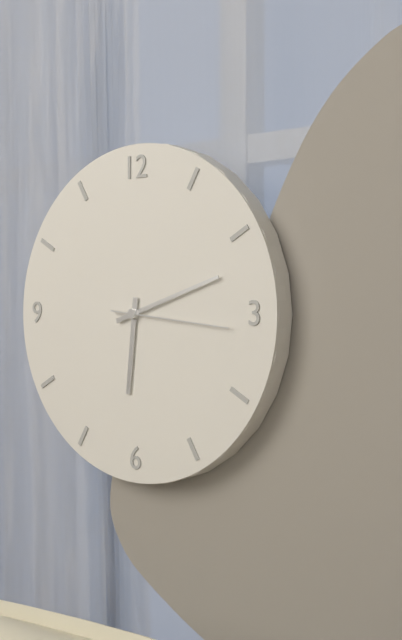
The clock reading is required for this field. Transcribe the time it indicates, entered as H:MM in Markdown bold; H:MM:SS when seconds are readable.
**6:12:16**
